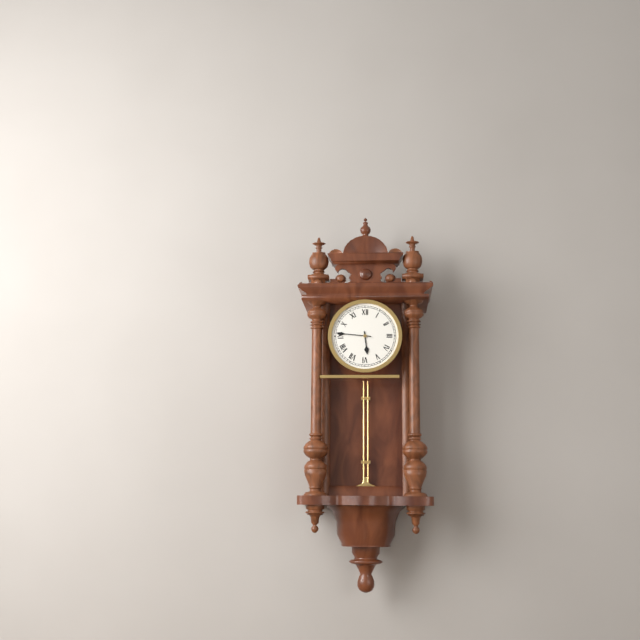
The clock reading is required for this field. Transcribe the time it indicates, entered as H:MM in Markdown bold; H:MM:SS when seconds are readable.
**5:46**
